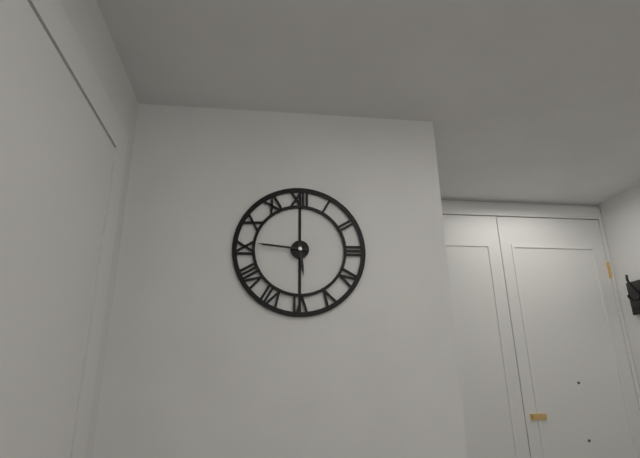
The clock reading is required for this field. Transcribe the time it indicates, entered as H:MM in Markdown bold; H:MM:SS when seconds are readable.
**5:46**
